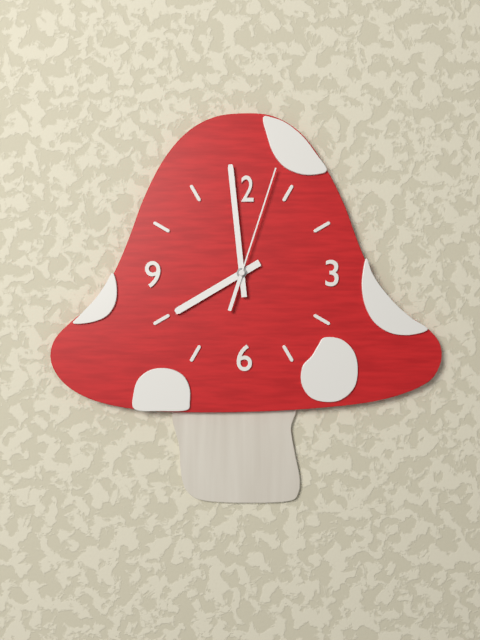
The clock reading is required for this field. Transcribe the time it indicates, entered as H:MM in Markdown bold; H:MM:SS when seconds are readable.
**7:59:03**
